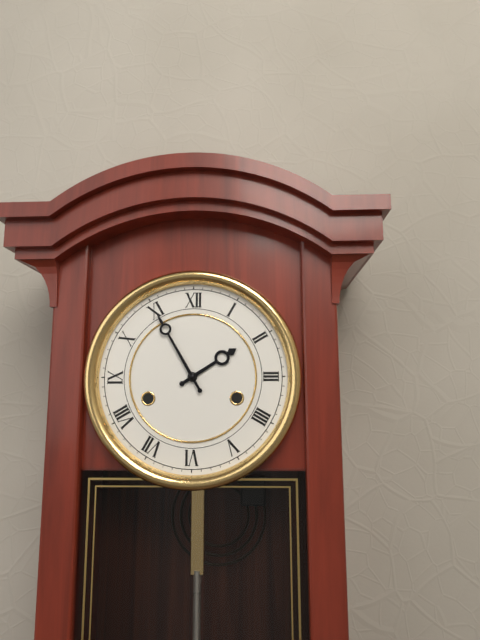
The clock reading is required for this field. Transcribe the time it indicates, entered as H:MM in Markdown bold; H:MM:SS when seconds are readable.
**1:55**
